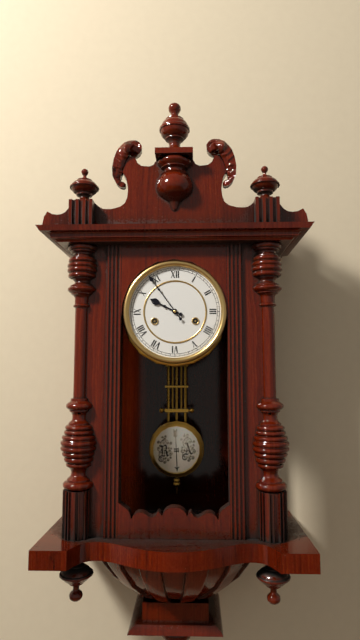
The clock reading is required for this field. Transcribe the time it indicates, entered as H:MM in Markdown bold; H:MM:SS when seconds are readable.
**9:54**
